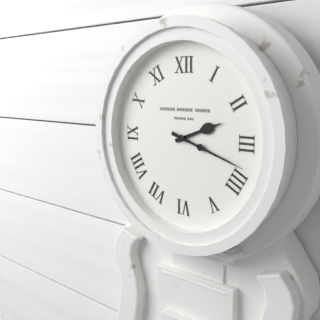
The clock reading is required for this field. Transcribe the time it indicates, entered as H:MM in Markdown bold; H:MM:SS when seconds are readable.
**2:18**
